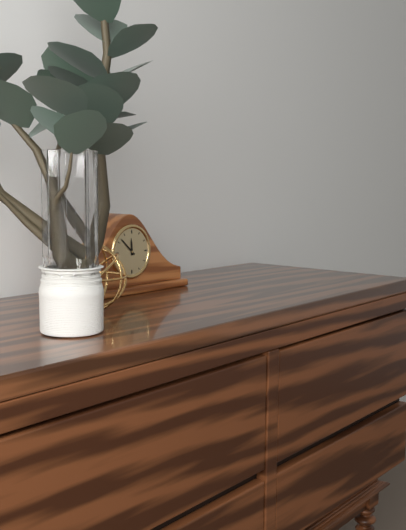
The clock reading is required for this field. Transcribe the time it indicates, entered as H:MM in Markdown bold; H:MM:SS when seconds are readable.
**11:52**
